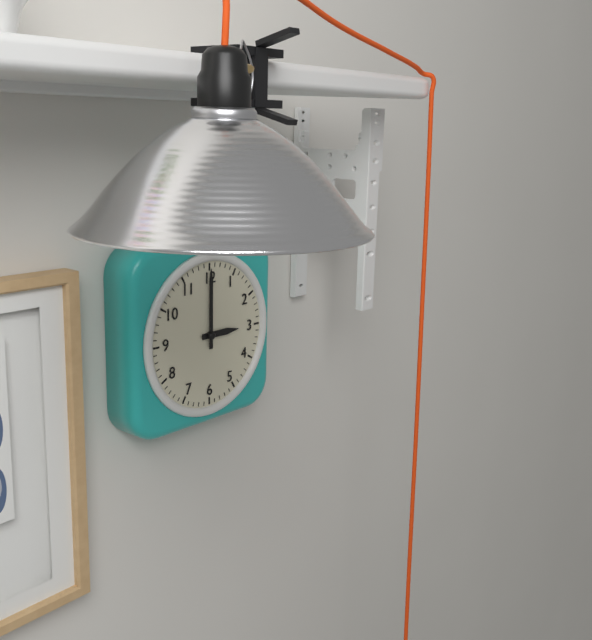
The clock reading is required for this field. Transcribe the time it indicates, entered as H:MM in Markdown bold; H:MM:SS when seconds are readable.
**3:00**
